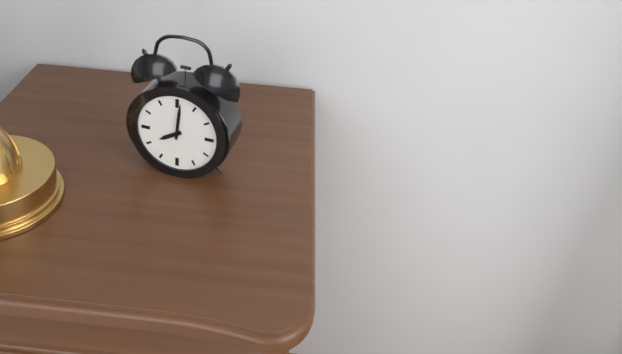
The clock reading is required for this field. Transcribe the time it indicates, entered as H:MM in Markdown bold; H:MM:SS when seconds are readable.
**8:01**
